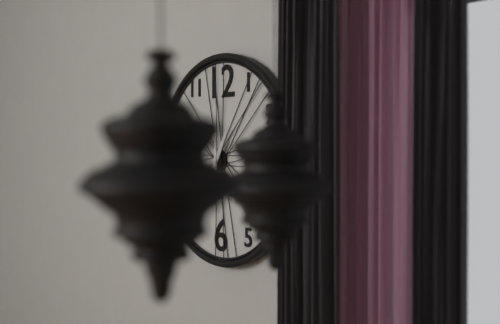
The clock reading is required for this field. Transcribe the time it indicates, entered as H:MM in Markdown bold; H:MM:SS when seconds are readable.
**1:00**
